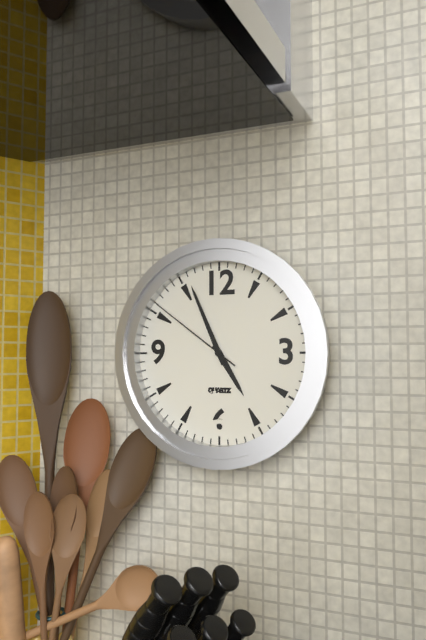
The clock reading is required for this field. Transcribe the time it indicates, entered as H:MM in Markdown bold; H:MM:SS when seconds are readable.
**4:56:51**
